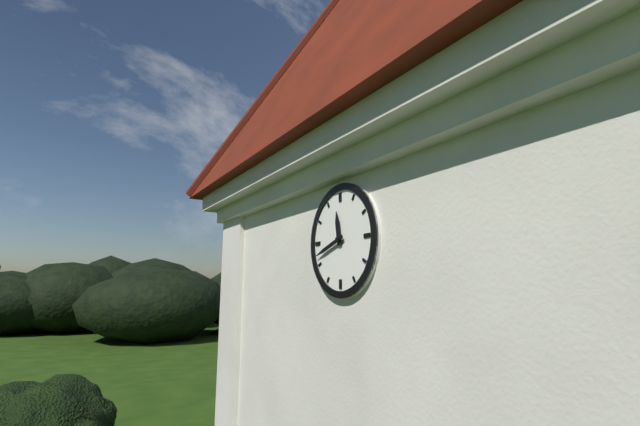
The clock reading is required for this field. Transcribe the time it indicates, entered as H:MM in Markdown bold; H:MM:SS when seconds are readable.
**11:42**
